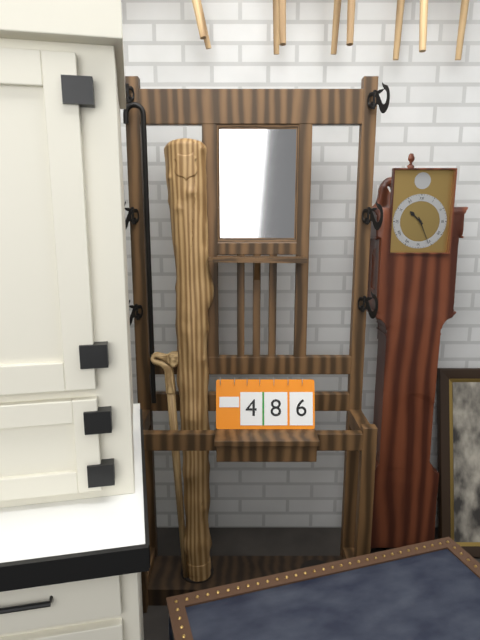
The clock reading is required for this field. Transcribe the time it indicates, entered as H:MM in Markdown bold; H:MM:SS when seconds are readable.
**10:26**
